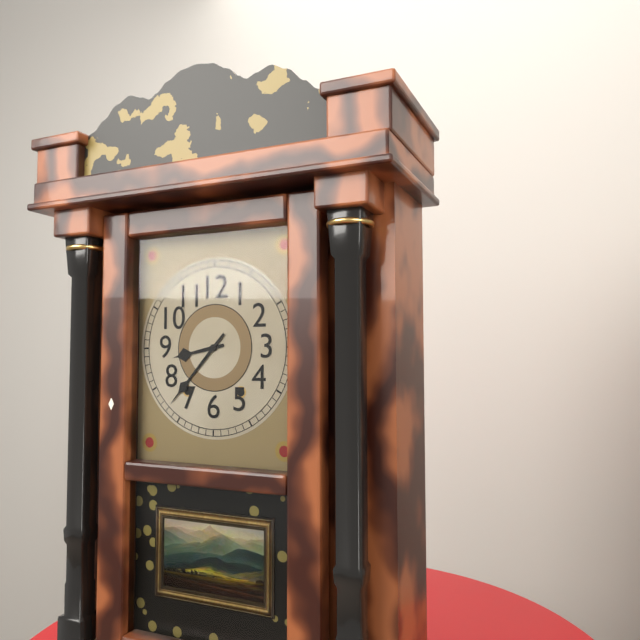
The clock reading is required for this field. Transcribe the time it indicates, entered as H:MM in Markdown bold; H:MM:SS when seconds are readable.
**8:37**
